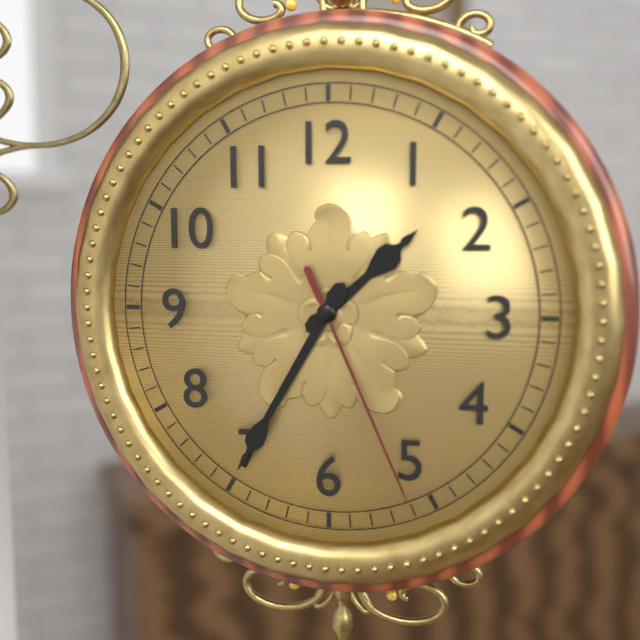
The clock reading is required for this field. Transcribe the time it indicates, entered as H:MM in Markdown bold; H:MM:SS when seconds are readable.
**1:35:26**
